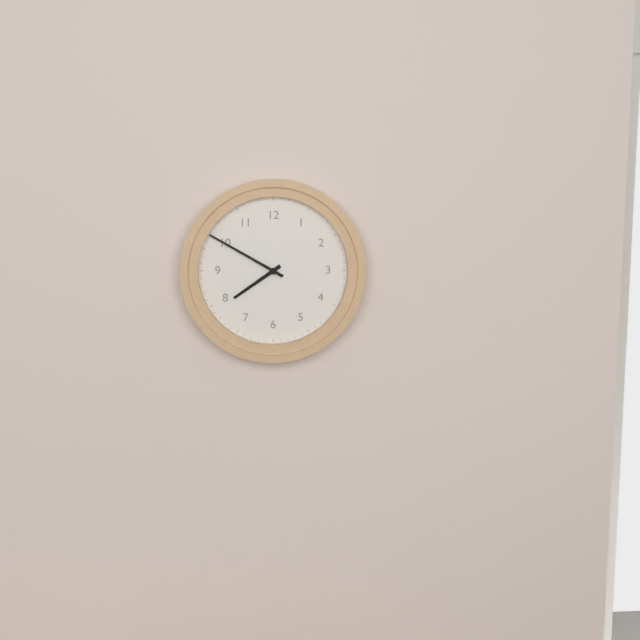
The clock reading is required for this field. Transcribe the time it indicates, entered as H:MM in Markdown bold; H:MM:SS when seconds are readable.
**7:50**
